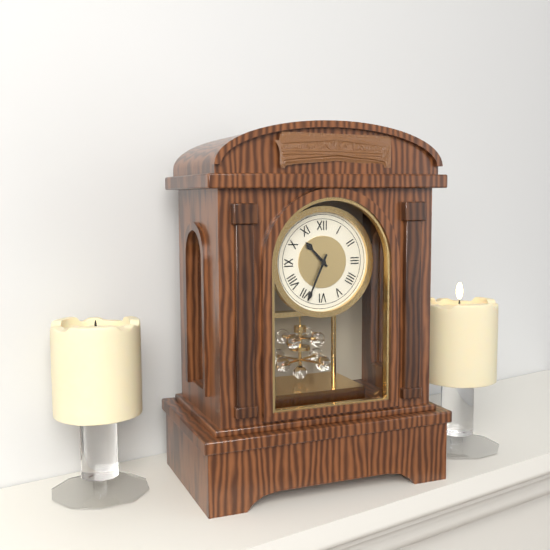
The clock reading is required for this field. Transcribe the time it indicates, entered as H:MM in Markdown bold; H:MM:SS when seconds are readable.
**10:34**
